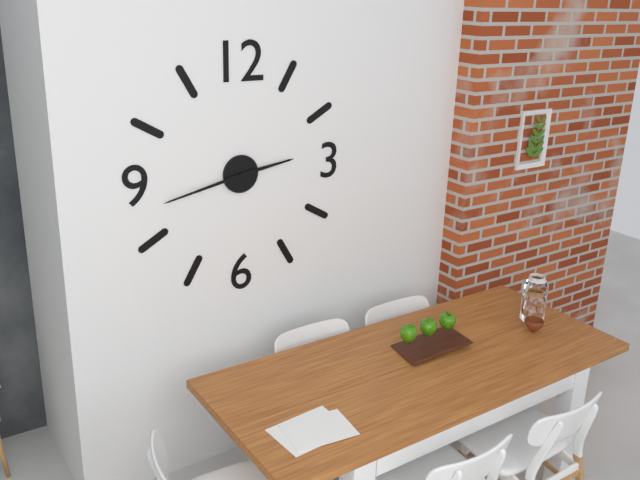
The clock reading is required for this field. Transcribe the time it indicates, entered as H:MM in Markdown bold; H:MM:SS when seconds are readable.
**2:43**
